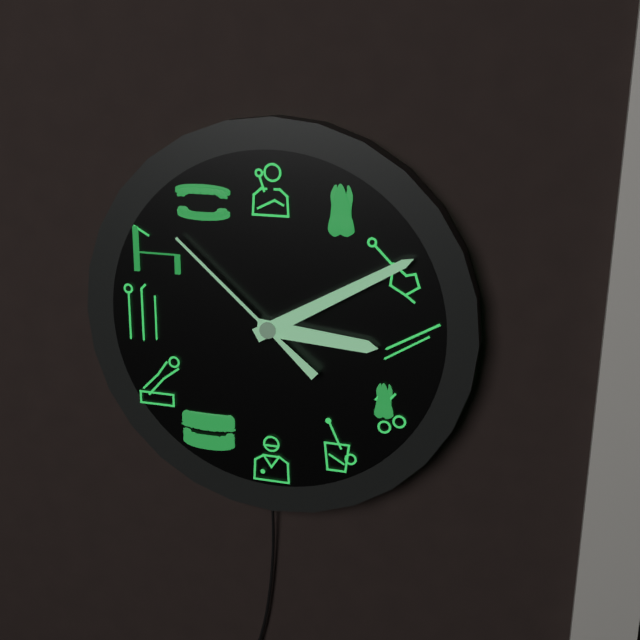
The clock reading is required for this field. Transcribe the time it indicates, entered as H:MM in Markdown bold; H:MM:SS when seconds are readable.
**3:10:52**
